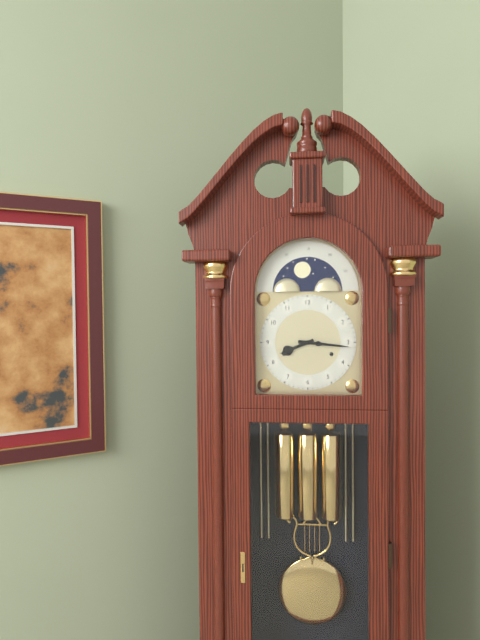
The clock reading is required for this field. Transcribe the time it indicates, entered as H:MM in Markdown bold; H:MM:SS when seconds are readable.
**8:16**
